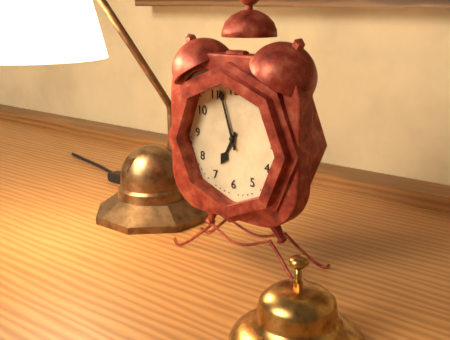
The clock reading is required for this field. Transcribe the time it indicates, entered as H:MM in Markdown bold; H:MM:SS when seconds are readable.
**6:57**
